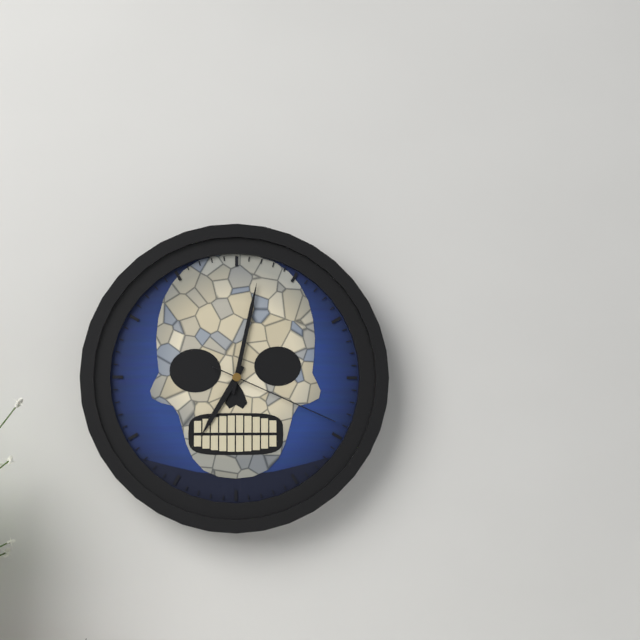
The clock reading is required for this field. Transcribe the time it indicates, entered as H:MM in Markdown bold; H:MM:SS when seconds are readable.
**7:02:19**
